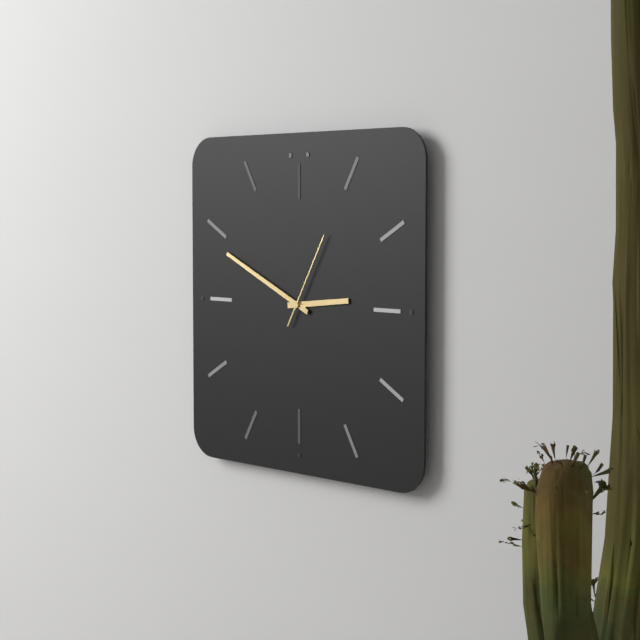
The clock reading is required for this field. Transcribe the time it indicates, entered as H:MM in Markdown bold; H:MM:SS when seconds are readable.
**2:49:05**
